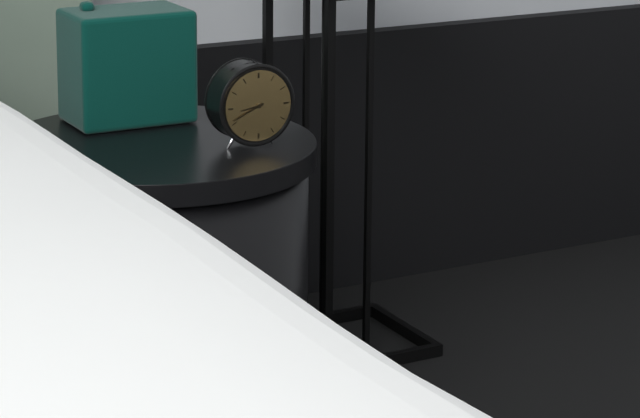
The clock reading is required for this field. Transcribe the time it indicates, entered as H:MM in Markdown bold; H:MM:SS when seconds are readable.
**8:41**
